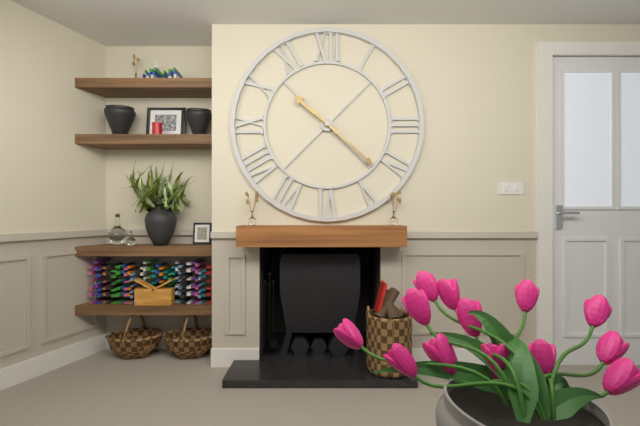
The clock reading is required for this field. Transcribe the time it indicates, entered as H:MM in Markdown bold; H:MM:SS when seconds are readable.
**10:22**
